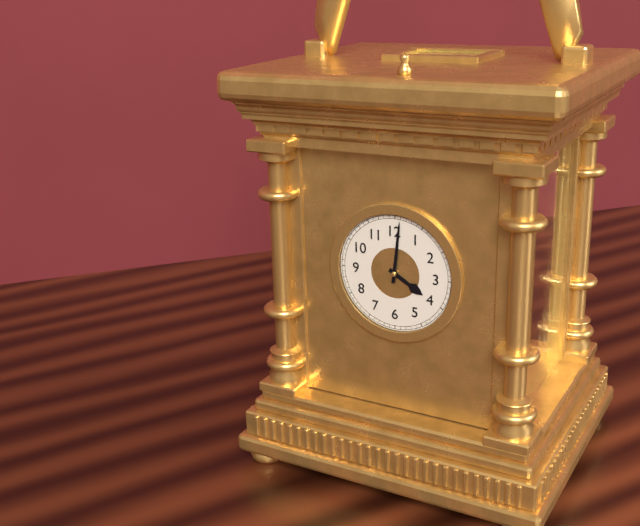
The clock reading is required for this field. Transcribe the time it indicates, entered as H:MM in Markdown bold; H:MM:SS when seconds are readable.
**4:01**
